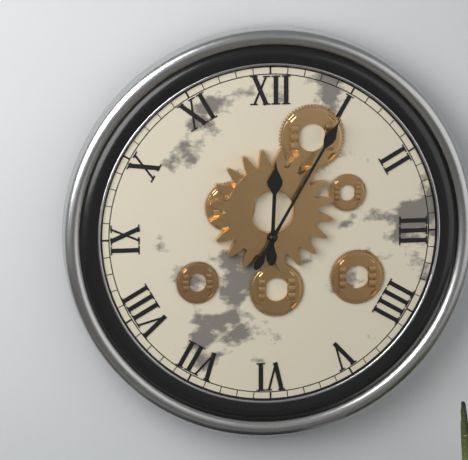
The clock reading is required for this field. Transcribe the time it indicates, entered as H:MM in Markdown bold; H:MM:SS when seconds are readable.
**12:05**
